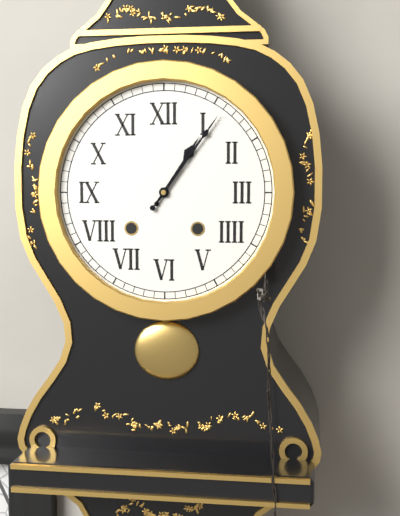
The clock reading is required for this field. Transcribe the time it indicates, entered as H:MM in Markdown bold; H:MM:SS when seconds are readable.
**1:06**
